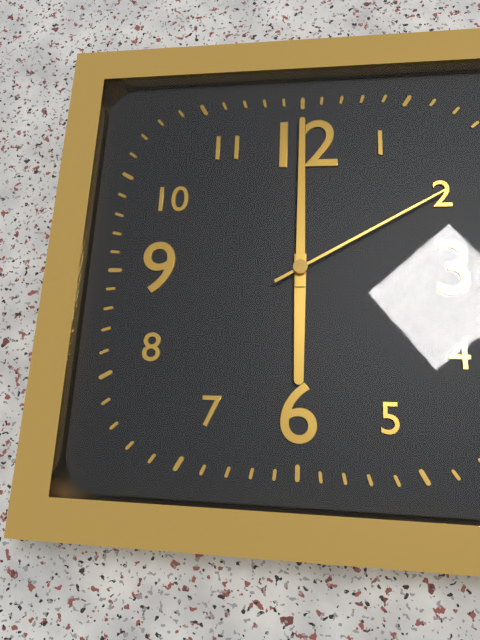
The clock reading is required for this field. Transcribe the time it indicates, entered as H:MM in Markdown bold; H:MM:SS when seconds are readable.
**6:00:10**
